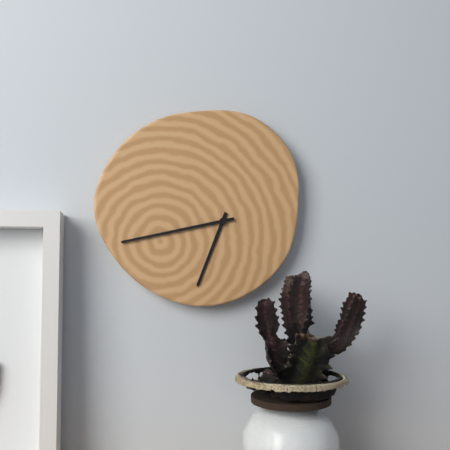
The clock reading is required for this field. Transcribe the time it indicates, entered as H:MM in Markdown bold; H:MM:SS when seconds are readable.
**6:43**
